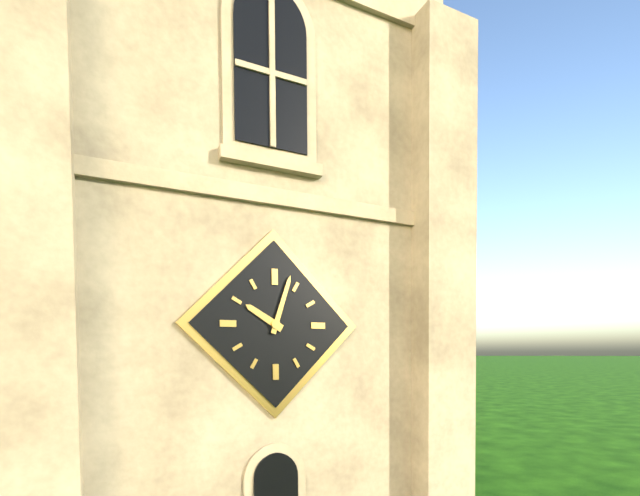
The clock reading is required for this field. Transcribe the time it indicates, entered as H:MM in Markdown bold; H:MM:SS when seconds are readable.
**10:03**
